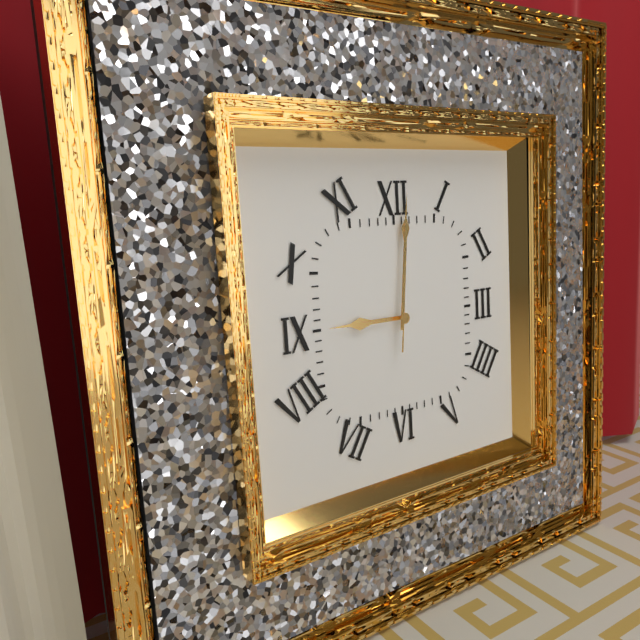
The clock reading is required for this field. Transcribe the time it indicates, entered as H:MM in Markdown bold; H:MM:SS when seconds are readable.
**9:01:01**
